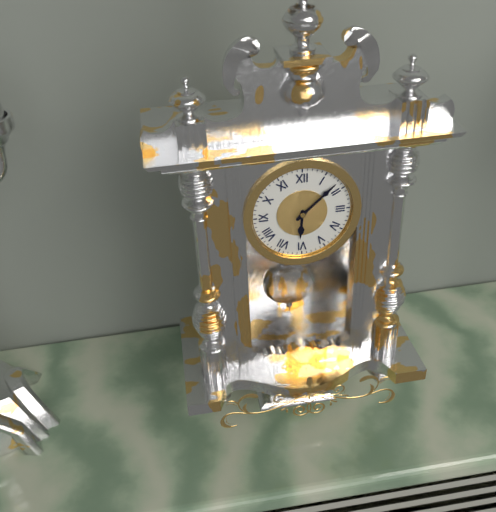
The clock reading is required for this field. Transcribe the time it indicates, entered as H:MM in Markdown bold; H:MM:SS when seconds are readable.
**6:08**
